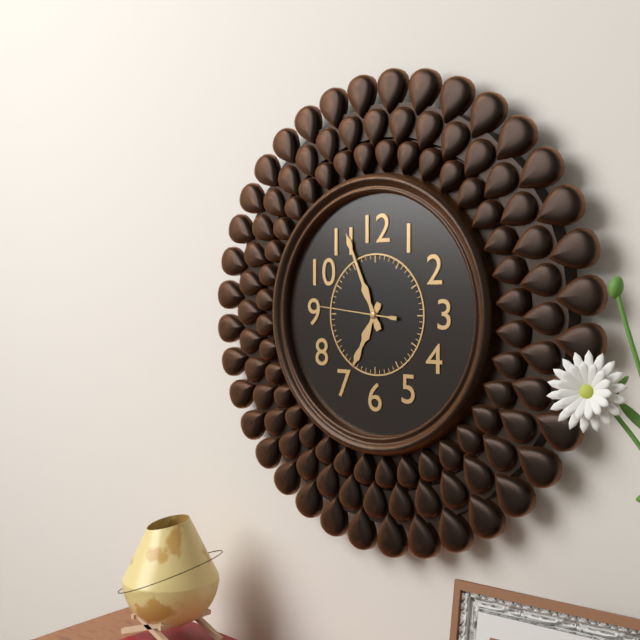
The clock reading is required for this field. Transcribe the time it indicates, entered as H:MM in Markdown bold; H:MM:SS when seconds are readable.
**6:56:46**
